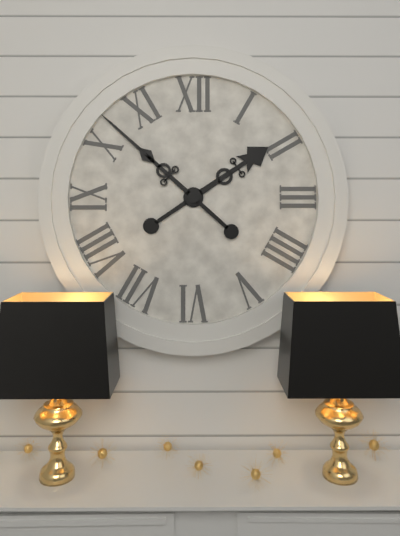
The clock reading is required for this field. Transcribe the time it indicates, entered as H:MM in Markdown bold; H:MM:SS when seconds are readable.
**1:52**
